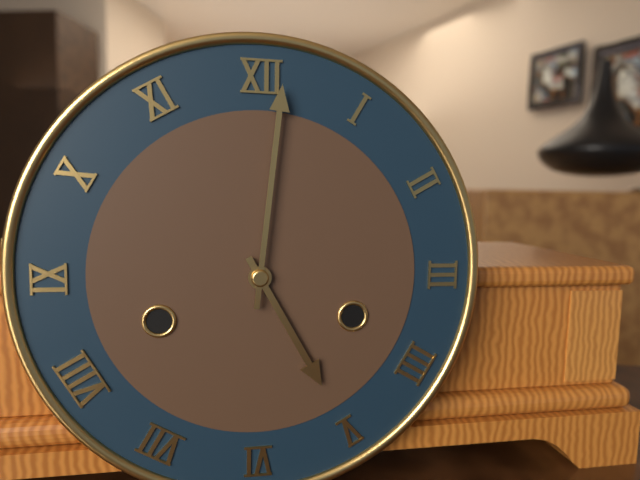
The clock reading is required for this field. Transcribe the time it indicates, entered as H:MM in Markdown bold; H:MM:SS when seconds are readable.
**5:01**
